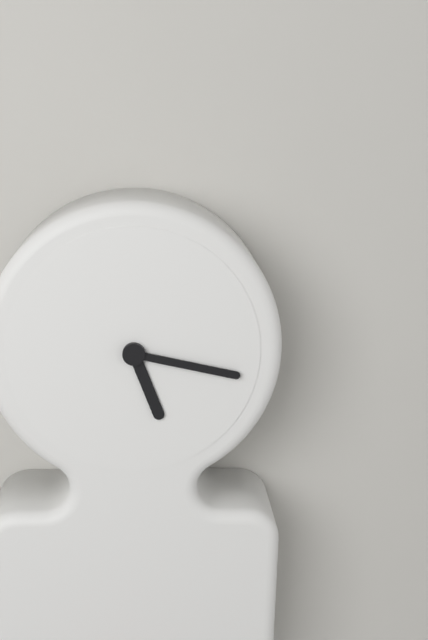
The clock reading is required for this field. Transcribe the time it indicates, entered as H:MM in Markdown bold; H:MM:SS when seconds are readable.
**5:17**
